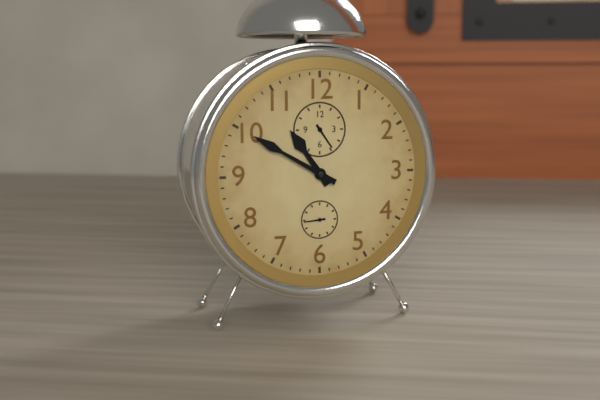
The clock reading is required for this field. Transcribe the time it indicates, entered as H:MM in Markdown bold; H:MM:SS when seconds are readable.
**10:50**
